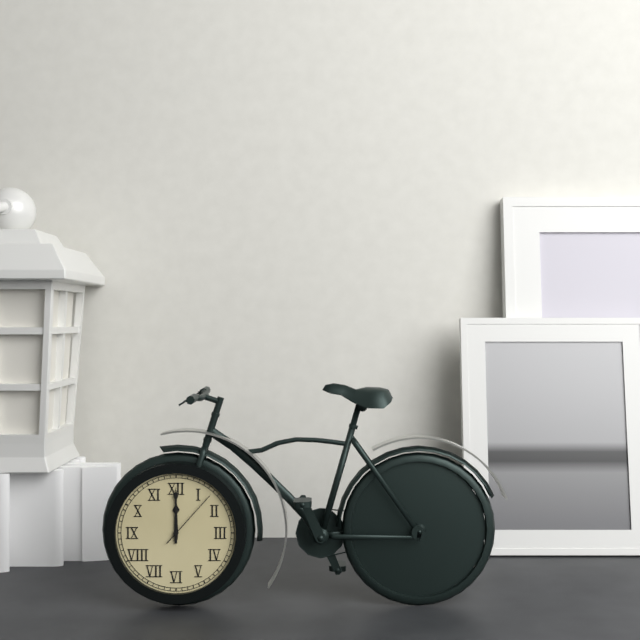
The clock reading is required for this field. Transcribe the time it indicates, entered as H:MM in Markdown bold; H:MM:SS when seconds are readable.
**12:00:07**
